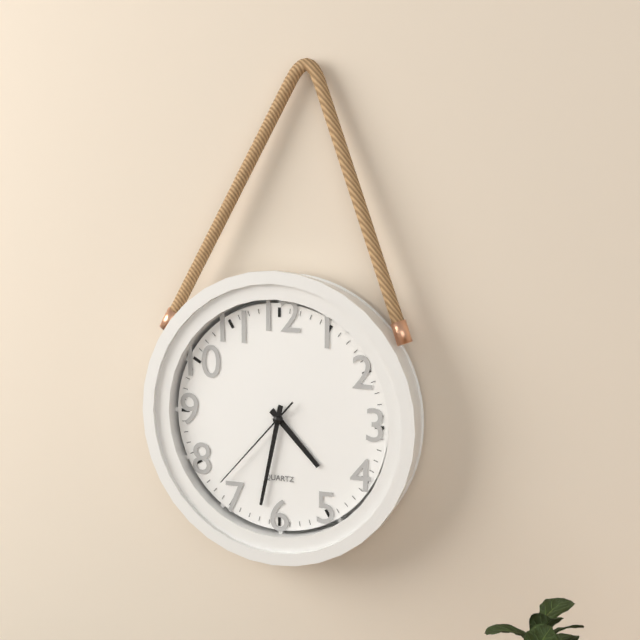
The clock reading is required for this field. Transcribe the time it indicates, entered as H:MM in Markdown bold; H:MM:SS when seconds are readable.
**4:32:37**
